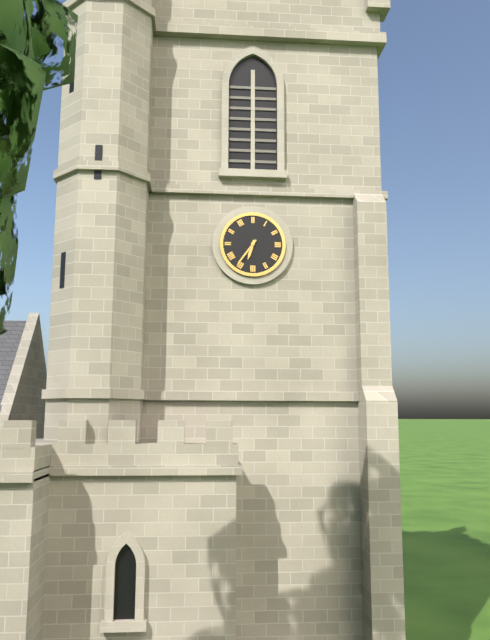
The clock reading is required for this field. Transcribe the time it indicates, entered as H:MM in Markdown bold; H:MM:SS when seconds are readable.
**6:36**
